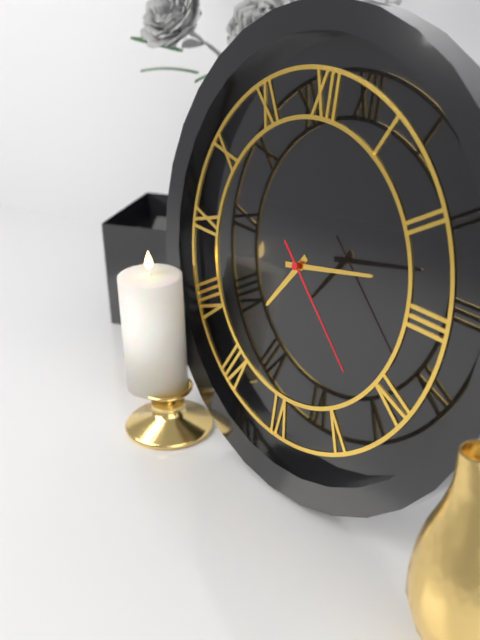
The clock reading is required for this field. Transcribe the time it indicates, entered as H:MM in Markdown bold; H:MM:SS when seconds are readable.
**7:13:22**
